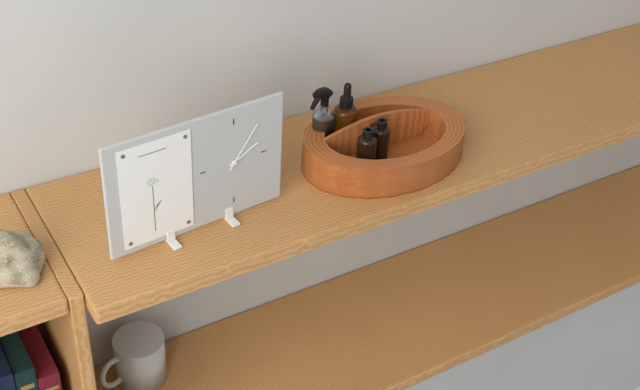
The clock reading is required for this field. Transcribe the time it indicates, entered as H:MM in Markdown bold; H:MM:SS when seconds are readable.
**2:06**
